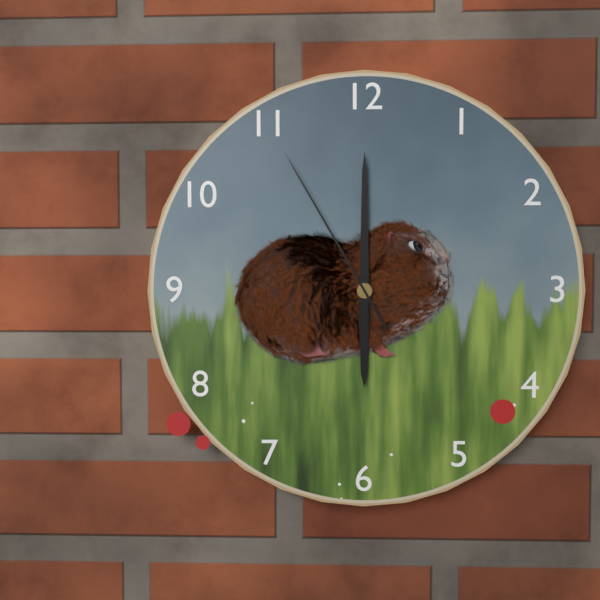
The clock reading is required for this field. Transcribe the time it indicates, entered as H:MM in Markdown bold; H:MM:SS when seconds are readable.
**6:00:55**
